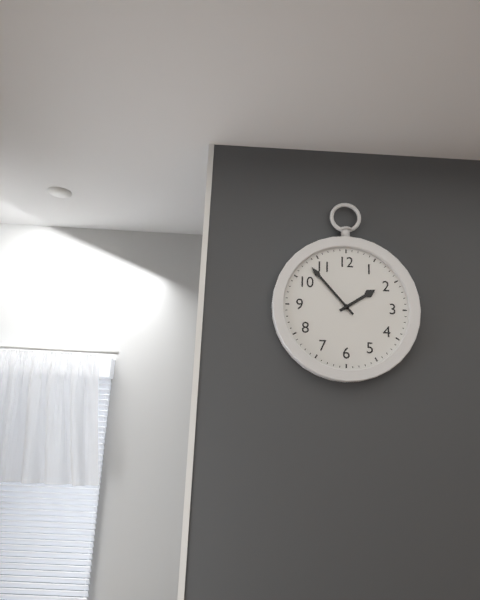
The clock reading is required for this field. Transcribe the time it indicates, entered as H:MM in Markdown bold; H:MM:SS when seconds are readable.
**1:53**
